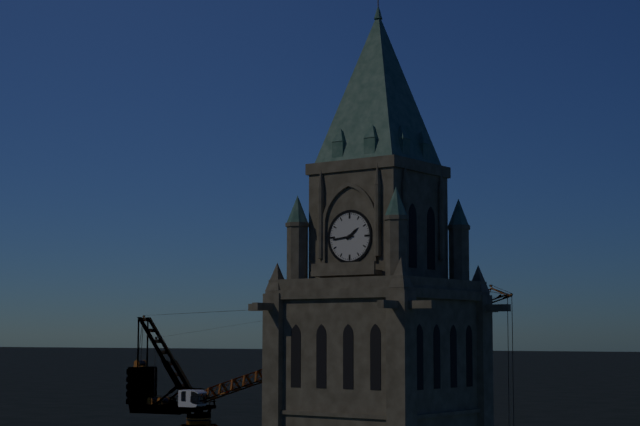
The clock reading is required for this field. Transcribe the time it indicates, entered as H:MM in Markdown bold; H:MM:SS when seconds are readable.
**1:44**
